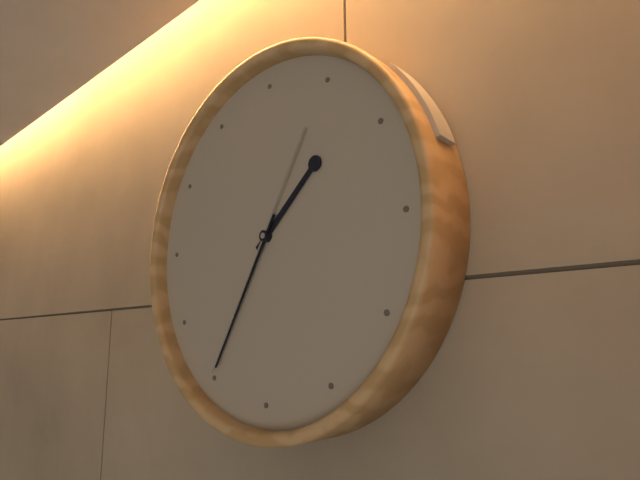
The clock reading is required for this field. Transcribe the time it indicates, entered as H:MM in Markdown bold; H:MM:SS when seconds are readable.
**1:35:35**
